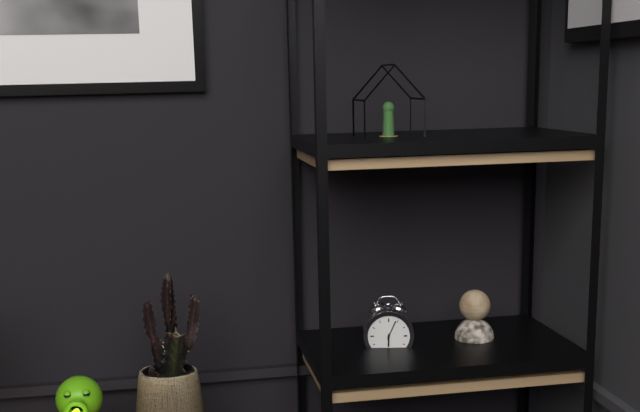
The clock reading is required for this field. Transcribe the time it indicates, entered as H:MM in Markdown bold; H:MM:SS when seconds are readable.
**6:04**
